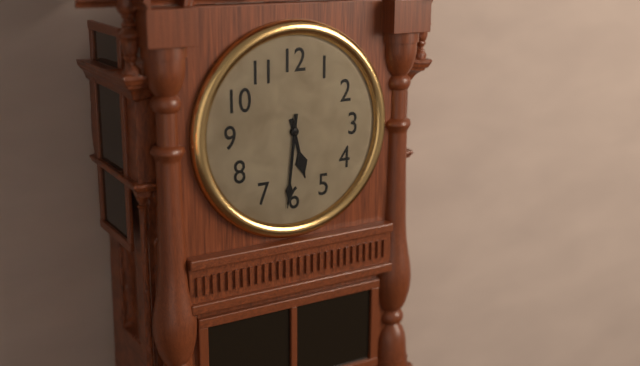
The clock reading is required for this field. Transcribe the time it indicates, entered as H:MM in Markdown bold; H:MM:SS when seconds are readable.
**5:31**
